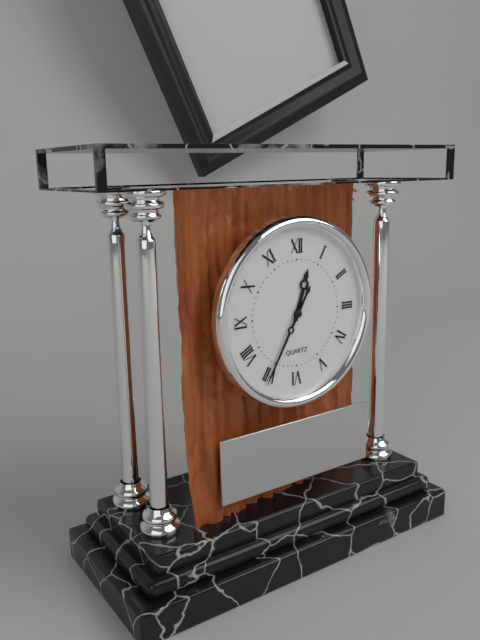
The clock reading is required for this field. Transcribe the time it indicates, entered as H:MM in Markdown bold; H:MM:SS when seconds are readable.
**12:35**
